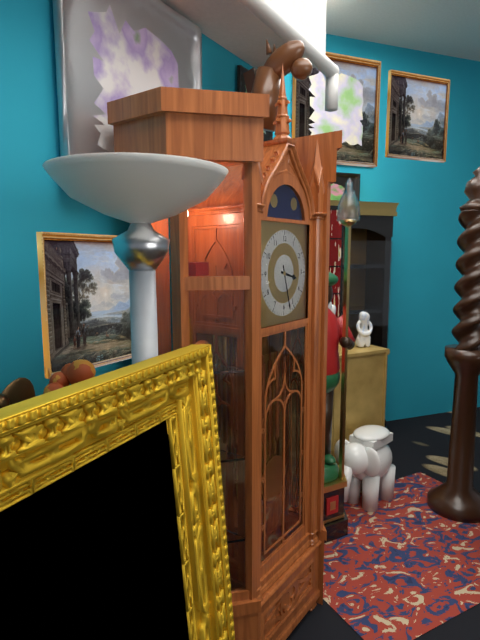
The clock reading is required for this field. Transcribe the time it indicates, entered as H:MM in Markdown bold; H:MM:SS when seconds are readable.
**3:27**
